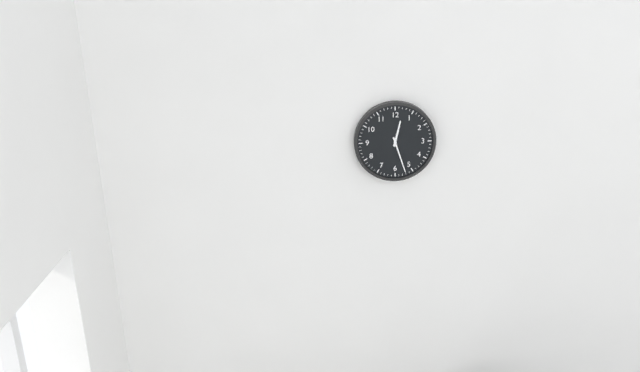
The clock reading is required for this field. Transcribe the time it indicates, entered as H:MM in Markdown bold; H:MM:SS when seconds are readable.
**12:27**
